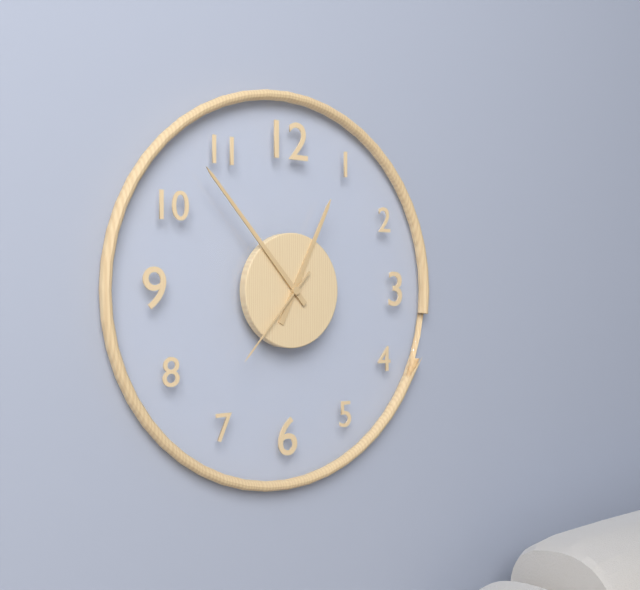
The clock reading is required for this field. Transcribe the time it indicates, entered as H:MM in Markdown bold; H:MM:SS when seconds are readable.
**12:53:37**
